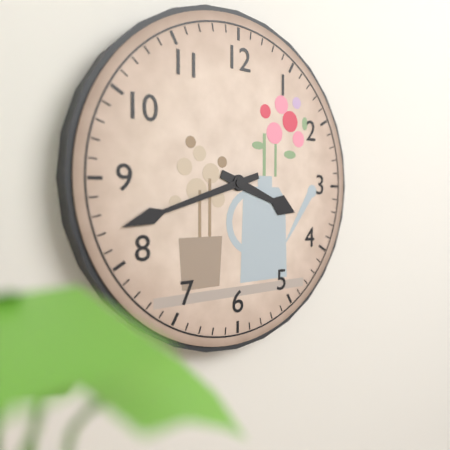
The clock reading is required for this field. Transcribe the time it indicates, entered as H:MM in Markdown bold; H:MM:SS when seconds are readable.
**3:42**
